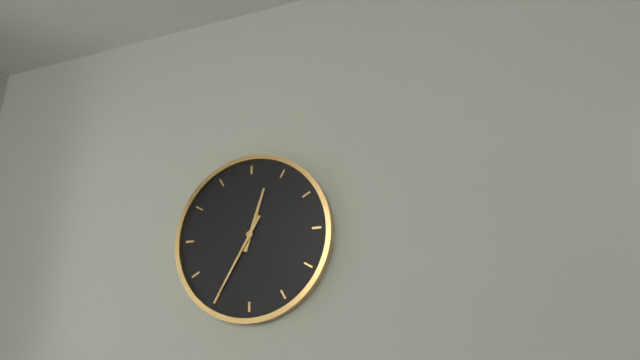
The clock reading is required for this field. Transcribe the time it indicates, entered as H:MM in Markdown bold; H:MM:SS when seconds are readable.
**12:35**
